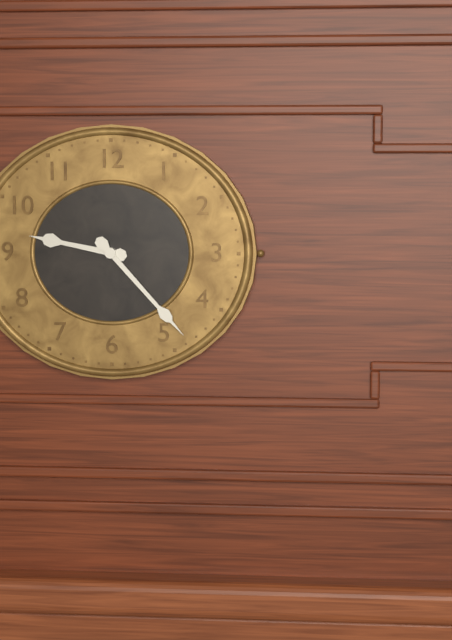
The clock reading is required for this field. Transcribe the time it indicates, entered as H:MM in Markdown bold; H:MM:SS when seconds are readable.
**9:23**
